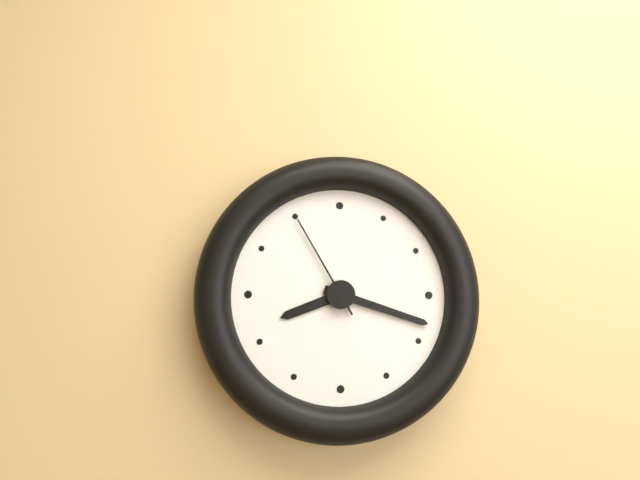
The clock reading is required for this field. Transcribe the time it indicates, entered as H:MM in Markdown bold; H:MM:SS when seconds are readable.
**8:18:55**
